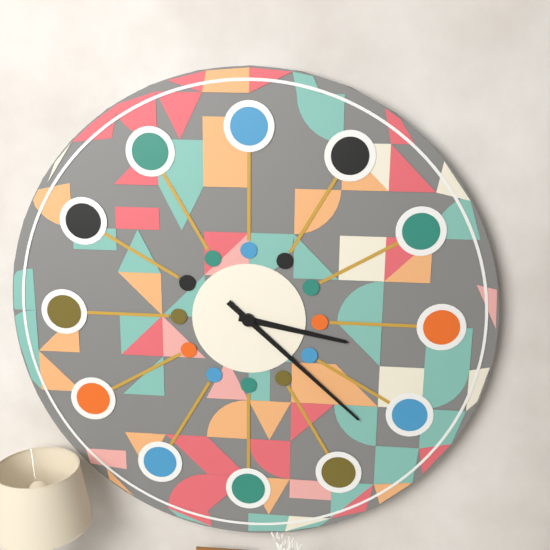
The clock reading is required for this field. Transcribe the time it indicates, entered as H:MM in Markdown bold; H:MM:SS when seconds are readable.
**3:22**
